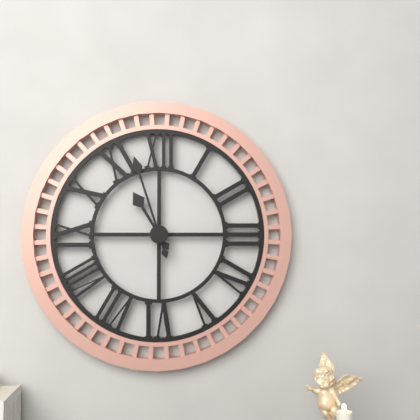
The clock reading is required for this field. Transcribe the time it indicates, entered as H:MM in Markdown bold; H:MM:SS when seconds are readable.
**10:57**
